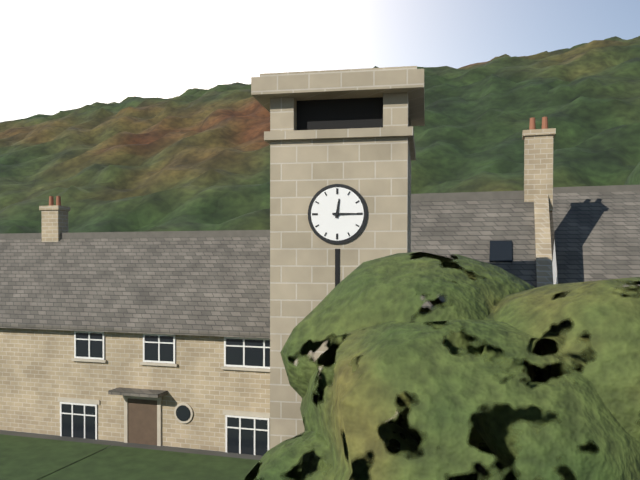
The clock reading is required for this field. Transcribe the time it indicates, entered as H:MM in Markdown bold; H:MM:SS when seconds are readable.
**12:15**
